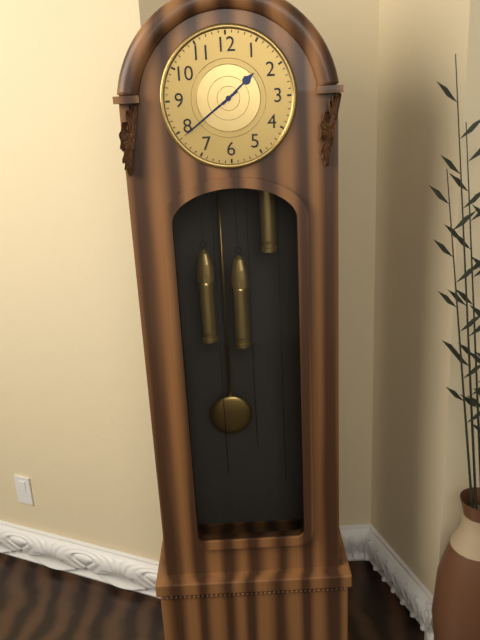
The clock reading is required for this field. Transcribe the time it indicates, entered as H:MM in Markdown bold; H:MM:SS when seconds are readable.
**1:39**
